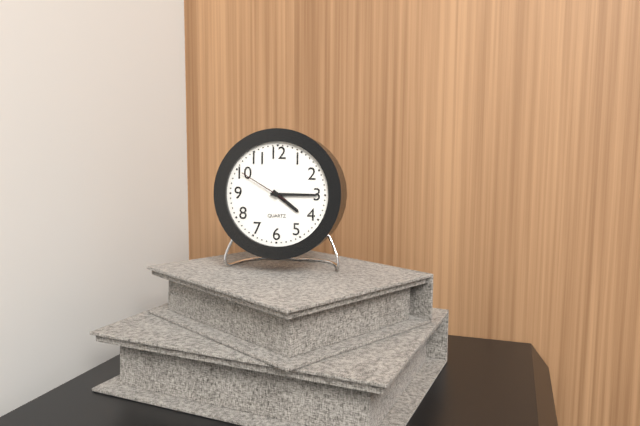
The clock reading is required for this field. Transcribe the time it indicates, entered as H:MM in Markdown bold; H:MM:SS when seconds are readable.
**4:15:50**
